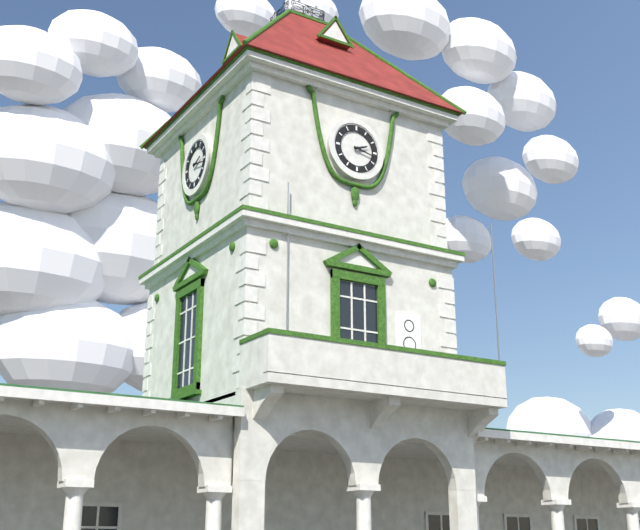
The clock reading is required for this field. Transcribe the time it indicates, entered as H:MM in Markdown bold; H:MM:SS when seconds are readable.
**2:17**
